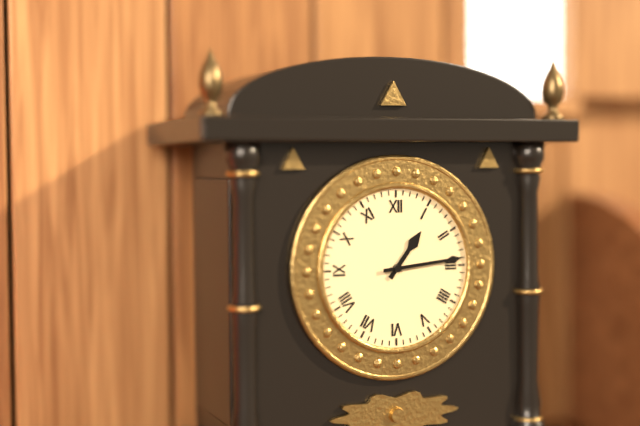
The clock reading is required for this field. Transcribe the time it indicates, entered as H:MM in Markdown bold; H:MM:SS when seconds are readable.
**1:14**
